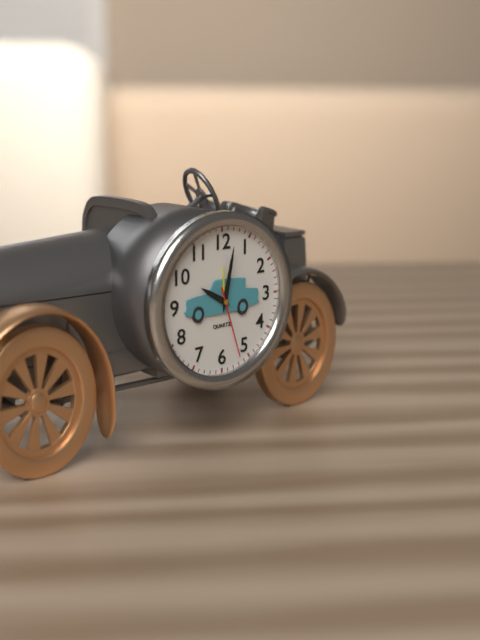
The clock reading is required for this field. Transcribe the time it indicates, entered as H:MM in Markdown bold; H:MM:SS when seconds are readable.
**10:02:27**
